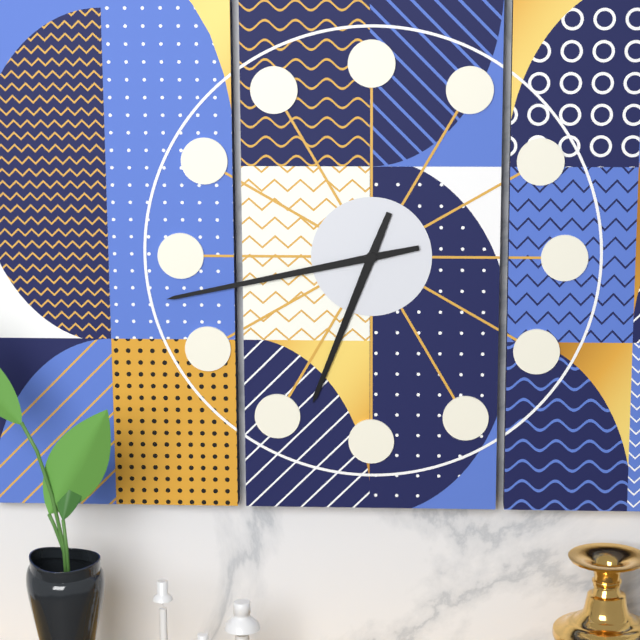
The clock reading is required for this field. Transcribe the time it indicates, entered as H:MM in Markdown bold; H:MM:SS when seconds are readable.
**6:43**
